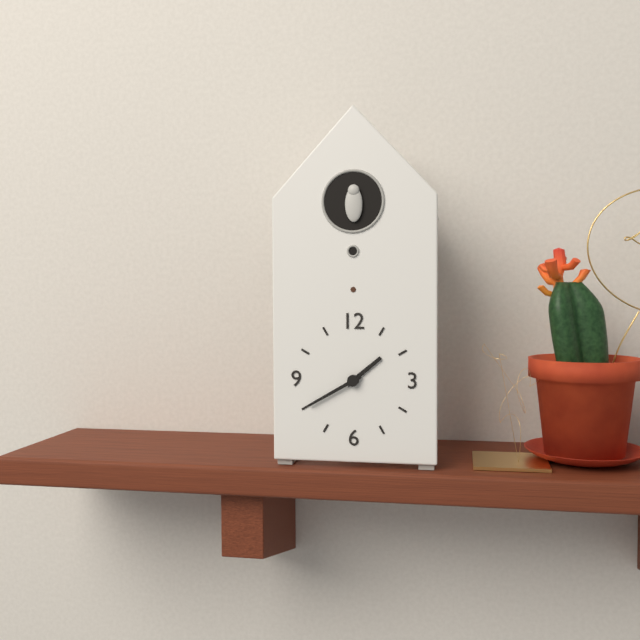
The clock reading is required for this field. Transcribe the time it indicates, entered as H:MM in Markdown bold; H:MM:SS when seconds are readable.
**1:40**
